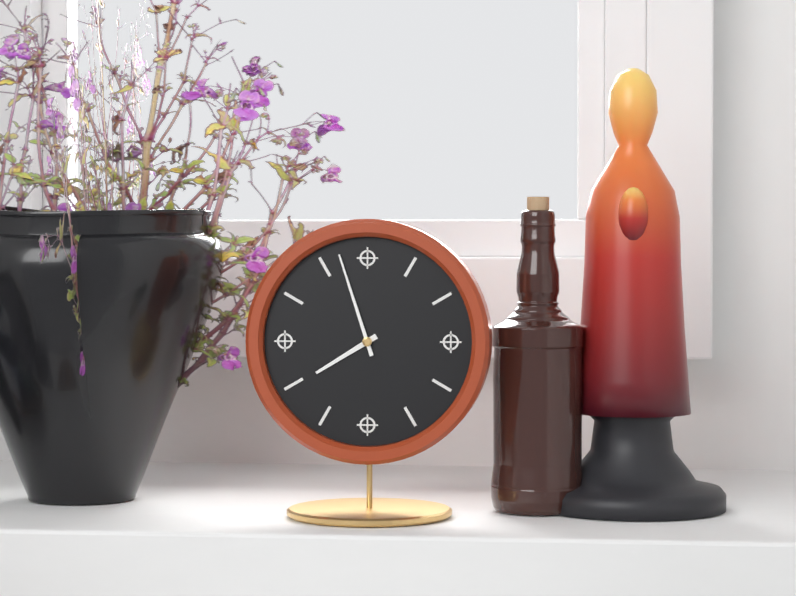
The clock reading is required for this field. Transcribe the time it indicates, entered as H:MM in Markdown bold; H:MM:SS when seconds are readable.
**7:57**
